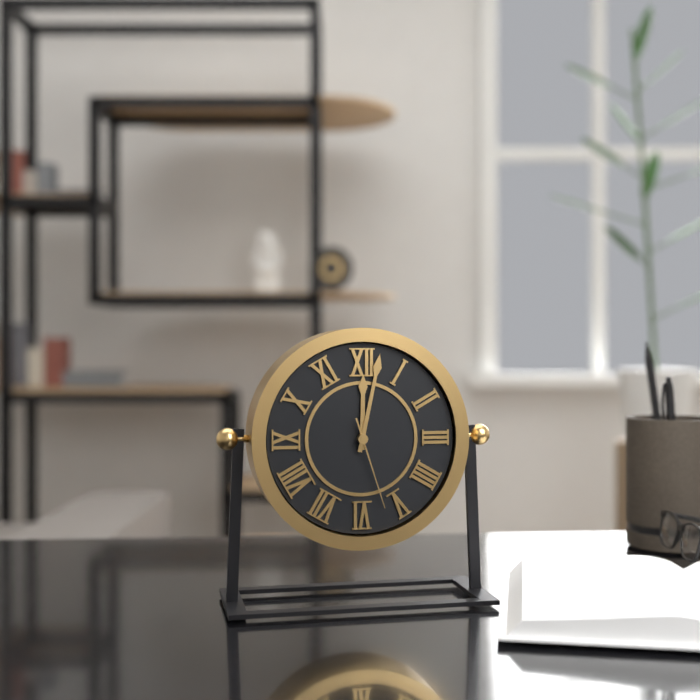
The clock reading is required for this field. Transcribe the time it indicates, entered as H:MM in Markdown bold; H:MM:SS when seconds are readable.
**12:02:27**
